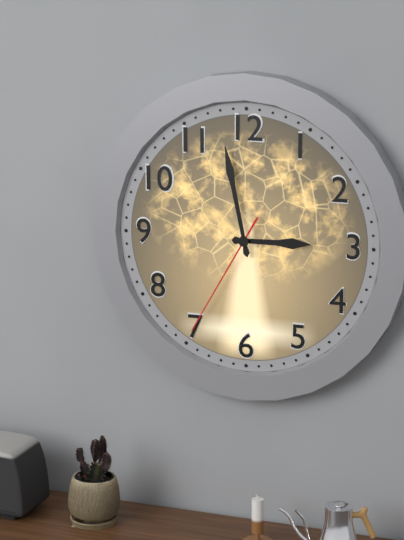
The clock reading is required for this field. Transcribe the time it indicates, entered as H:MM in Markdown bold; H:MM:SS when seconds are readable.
**2:58:35**
